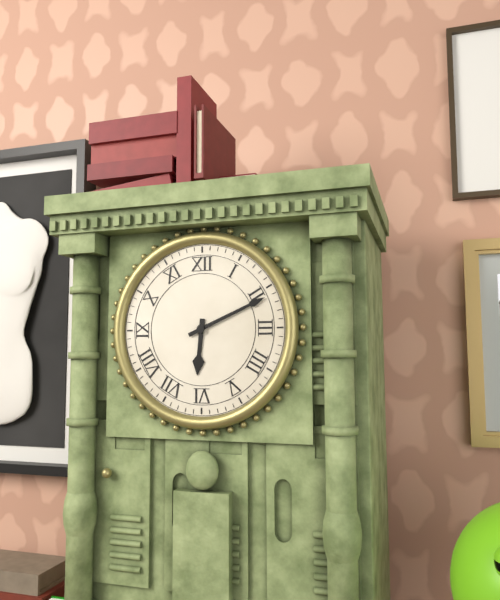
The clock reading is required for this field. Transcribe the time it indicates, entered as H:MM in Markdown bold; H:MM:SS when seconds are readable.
**6:11**
